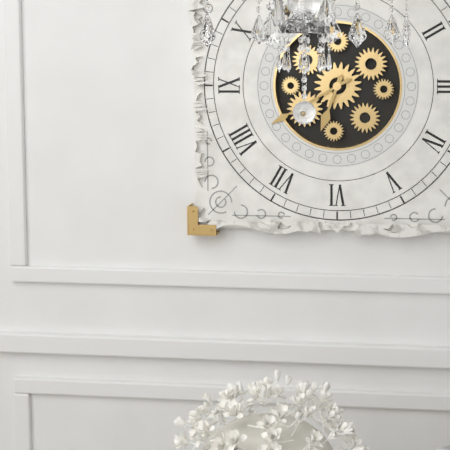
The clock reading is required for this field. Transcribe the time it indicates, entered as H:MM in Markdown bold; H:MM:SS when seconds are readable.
**6:40**
